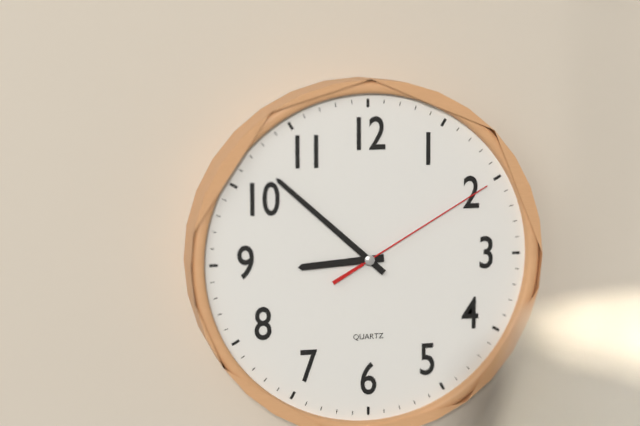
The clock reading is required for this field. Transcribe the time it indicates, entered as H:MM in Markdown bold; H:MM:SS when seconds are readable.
**8:52:10**
